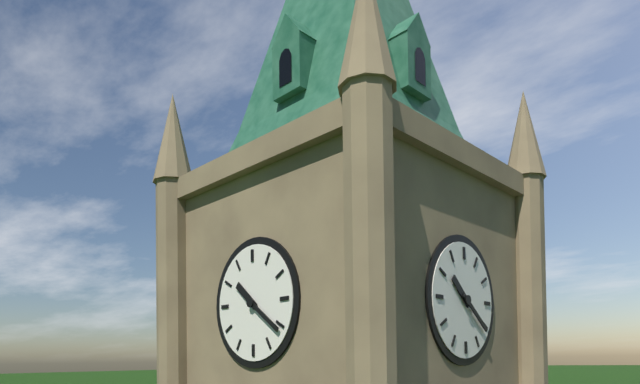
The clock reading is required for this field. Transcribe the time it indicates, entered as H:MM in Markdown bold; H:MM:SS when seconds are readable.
**10:21**
